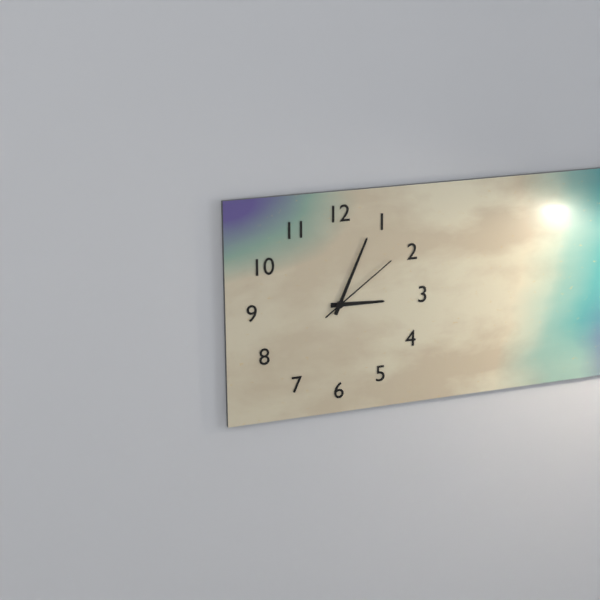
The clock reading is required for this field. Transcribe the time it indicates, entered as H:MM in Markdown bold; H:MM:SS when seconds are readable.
**3:04:09**
